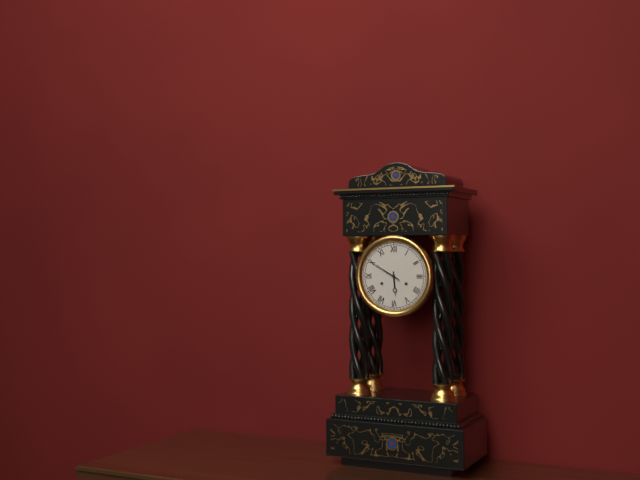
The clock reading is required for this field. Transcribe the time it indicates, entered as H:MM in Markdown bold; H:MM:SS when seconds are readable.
**5:50**
